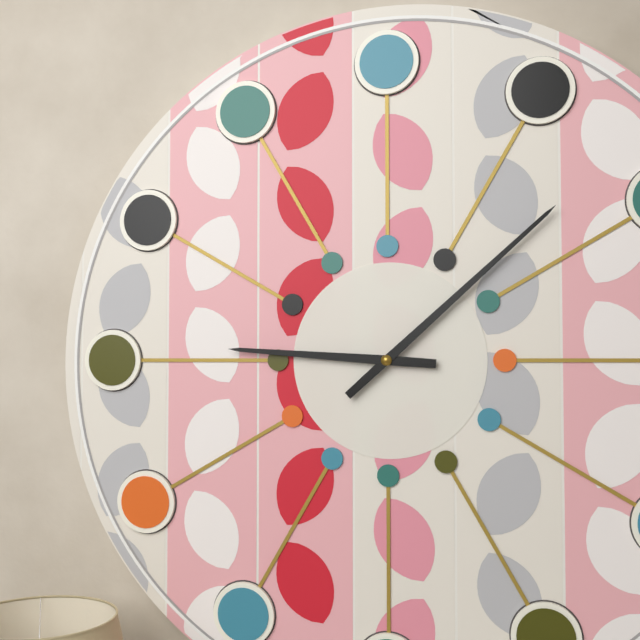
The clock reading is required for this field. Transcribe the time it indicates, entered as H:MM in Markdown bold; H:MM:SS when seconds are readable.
**9:08**
